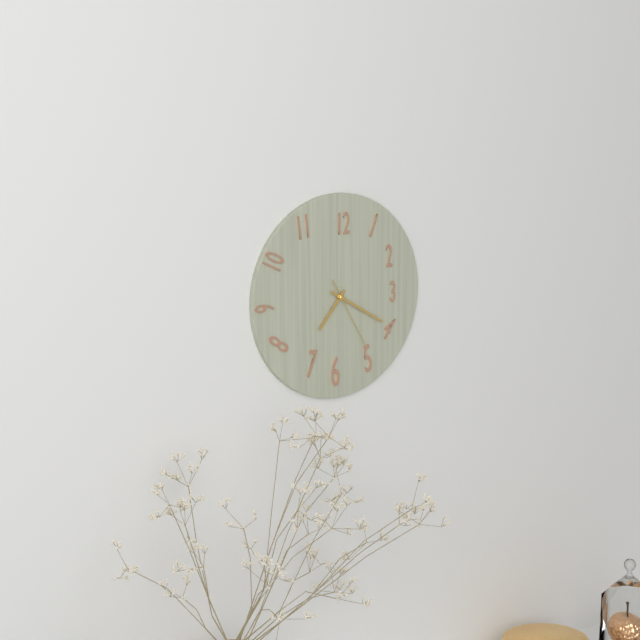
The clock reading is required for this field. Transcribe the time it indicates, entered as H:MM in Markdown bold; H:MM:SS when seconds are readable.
**7:20:25**
